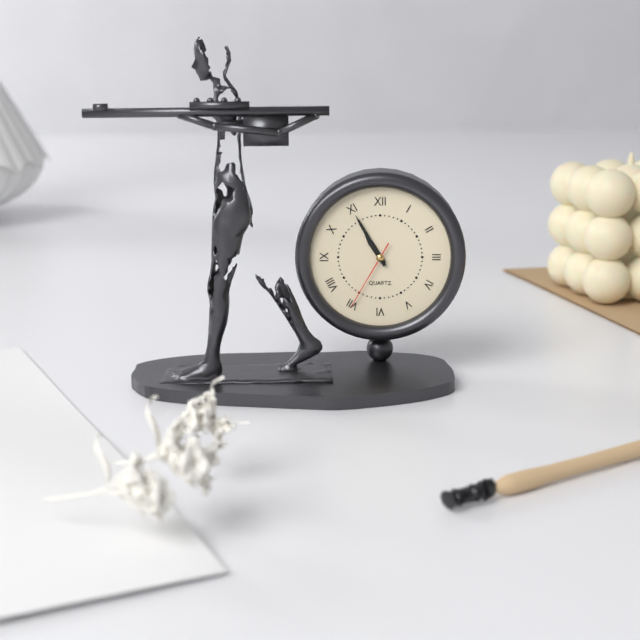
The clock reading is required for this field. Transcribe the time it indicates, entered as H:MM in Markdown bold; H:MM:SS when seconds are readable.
**10:55:35**
